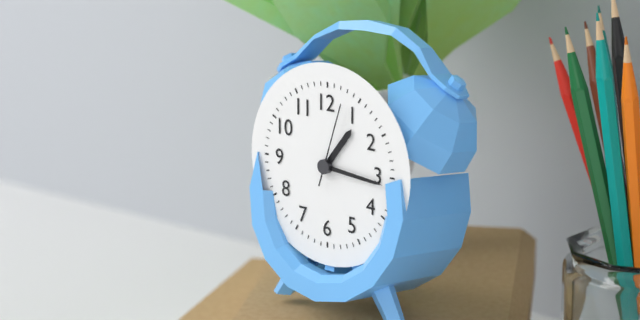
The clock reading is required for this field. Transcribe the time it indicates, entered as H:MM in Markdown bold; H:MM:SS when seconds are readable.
**1:16:03**
